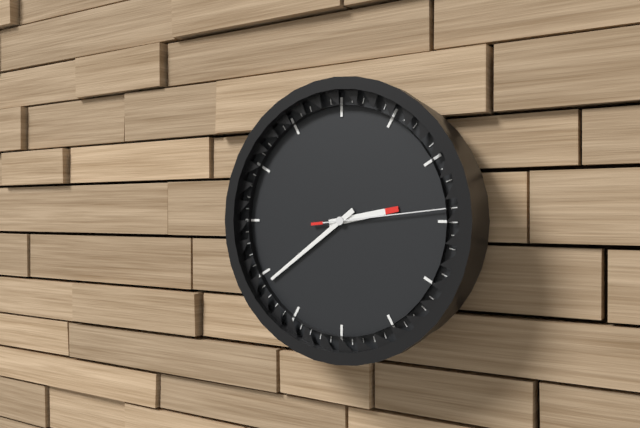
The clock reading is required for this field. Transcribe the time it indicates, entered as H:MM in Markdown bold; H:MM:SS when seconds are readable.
**2:39:14**
